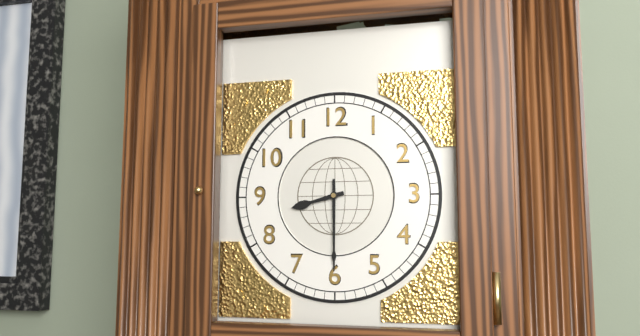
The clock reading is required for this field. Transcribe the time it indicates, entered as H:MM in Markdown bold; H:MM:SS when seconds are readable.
**8:30**
